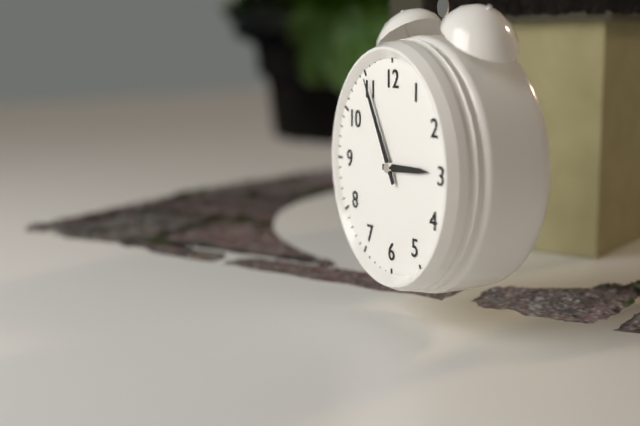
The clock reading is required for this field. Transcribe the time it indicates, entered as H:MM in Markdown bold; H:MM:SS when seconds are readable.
**2:55**
